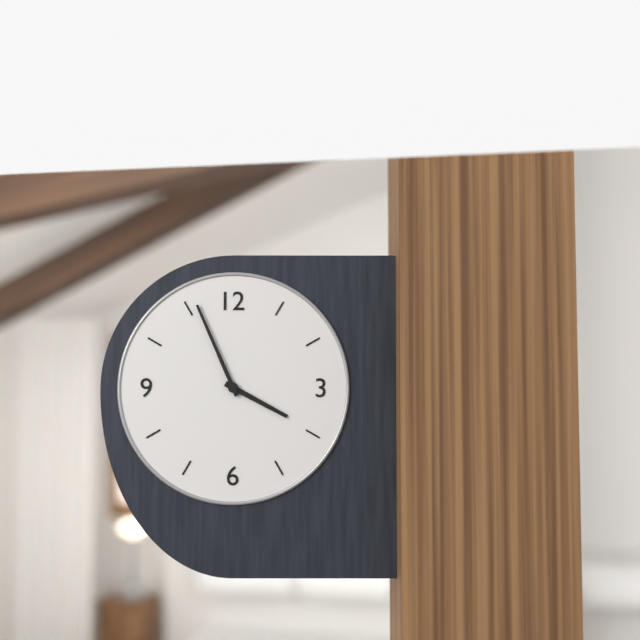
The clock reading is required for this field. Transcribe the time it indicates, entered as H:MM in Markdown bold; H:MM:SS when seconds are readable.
**3:56**
